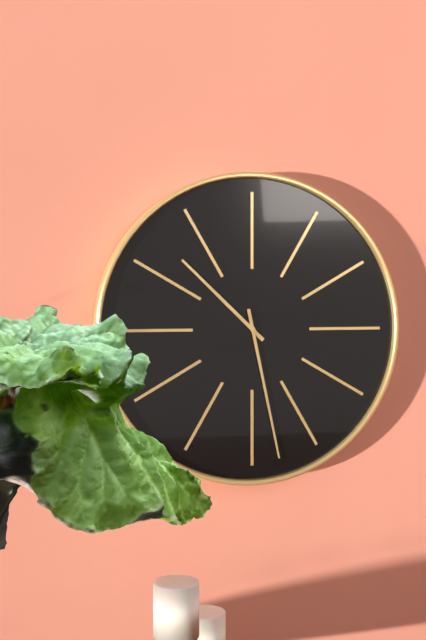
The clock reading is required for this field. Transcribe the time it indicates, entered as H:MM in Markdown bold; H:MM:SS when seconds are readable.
**10:28**
